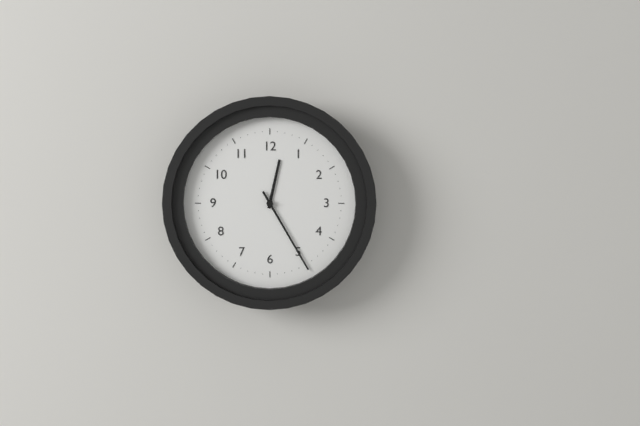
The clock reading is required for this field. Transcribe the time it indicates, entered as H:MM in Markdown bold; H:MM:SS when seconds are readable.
**12:25**
